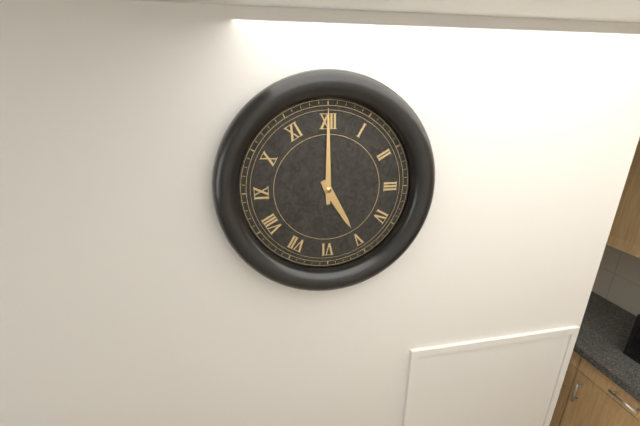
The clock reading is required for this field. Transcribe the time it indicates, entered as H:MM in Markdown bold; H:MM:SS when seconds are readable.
**5:00**
